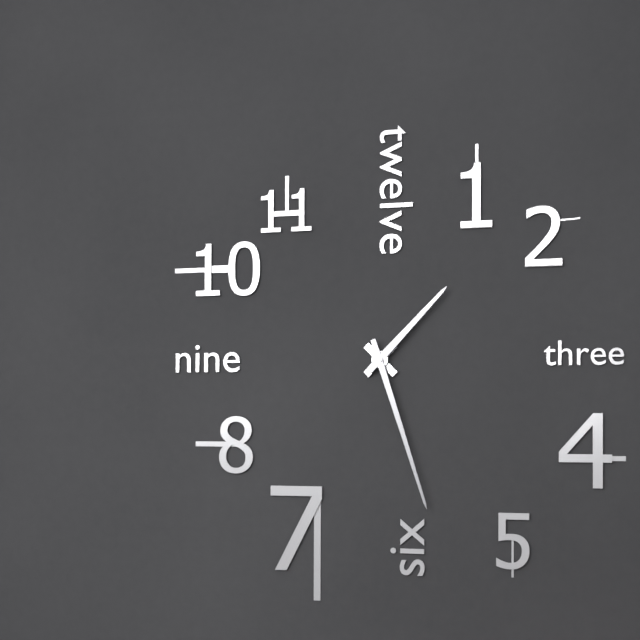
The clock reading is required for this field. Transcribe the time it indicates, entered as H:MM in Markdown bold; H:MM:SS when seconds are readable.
**1:27**
